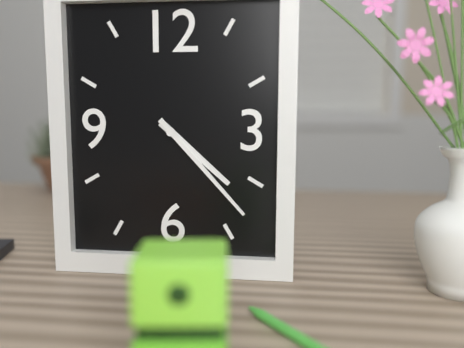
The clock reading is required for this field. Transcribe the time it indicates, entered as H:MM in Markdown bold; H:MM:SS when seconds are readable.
**4:23**
